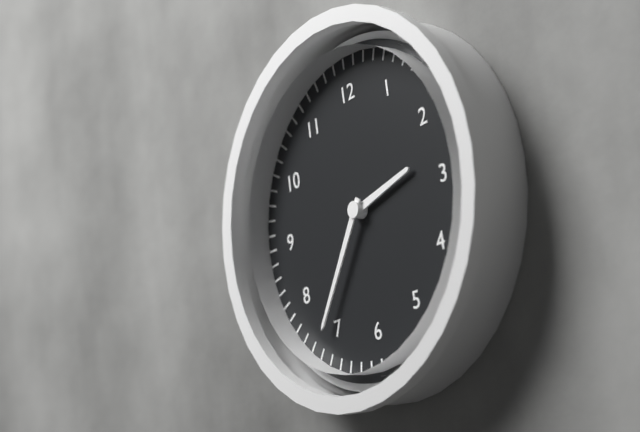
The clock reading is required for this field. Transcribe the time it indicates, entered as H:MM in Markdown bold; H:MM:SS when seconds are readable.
**2:36**
